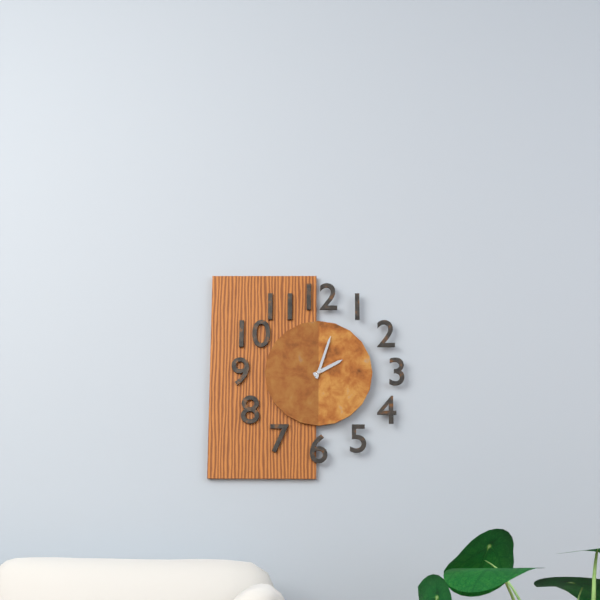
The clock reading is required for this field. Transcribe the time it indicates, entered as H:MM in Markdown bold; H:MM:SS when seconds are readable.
**2:03**
